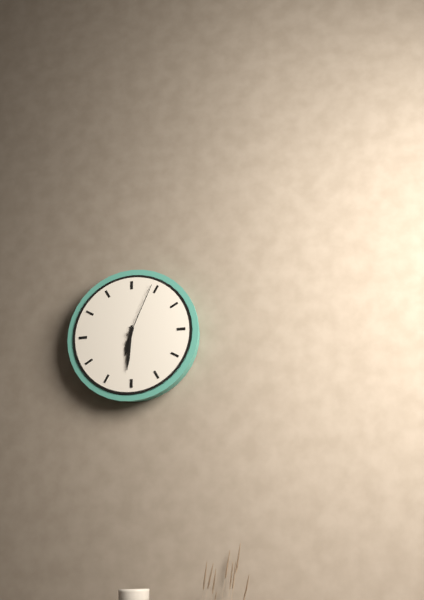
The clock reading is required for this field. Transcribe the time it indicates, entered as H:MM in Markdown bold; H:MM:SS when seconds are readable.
**6:31:04**
